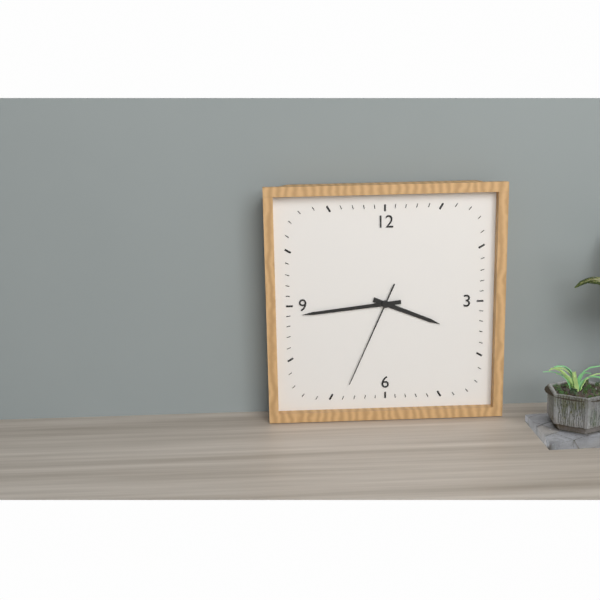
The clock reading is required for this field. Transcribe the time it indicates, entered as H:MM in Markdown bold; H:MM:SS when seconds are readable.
**3:44:34**
